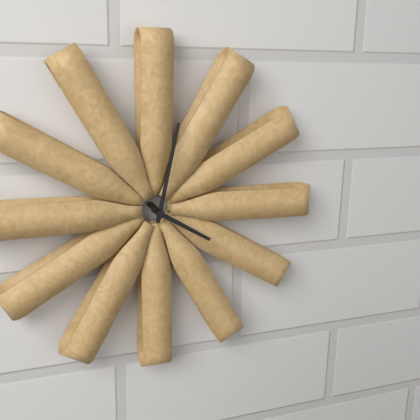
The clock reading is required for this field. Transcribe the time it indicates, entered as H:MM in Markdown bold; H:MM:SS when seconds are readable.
**4:02**
